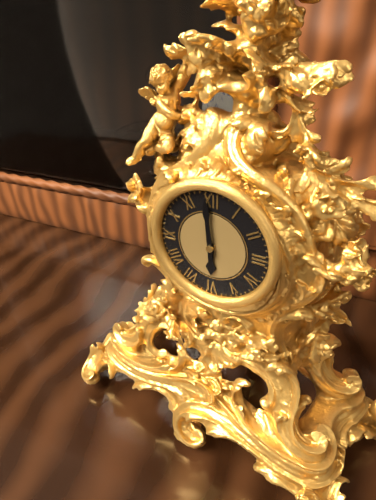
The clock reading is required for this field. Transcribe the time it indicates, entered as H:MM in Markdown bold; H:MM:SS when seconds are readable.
**5:59**
